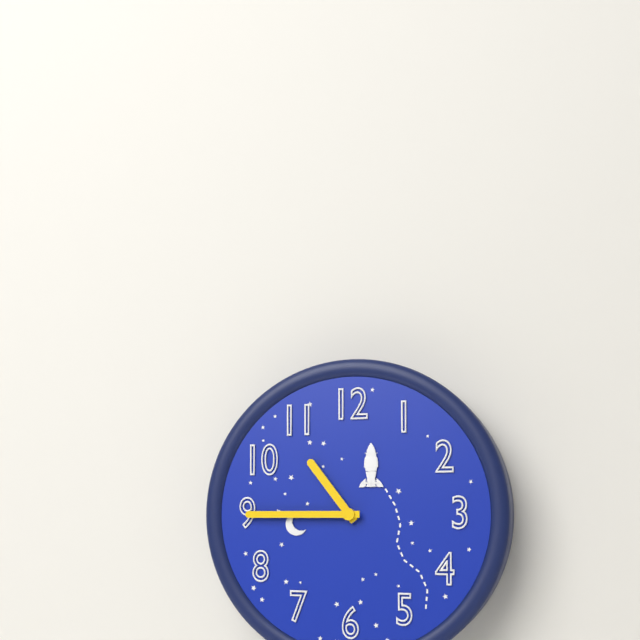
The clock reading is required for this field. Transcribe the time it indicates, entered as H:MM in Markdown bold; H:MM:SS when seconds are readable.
**10:45**
